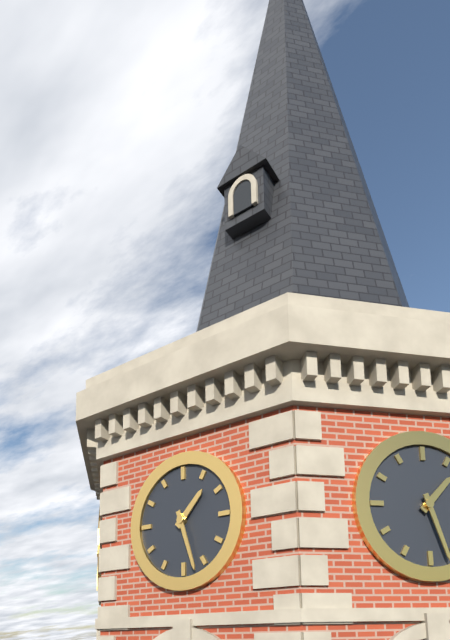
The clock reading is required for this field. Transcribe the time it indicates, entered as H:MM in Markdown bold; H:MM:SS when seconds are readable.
**1:27**
